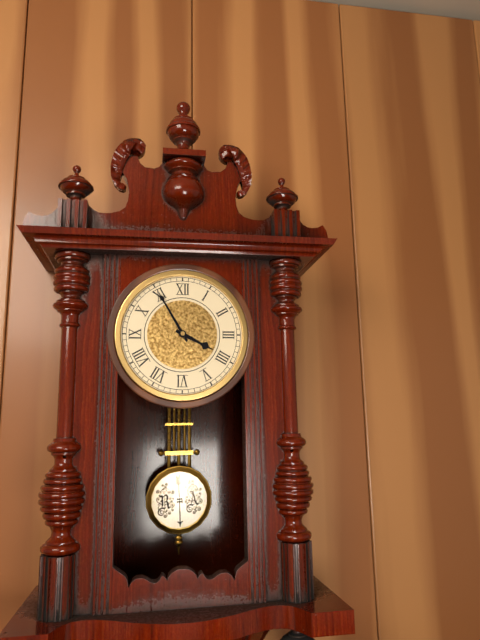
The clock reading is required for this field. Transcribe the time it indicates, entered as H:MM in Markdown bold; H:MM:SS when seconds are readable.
**3:55**
